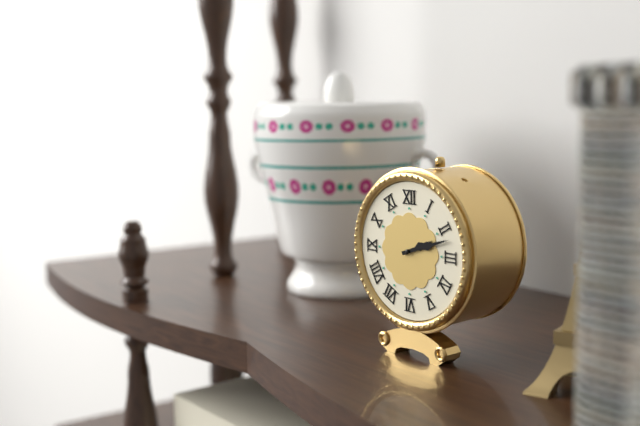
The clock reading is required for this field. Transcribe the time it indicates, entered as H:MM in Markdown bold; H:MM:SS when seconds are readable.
**2:12**
